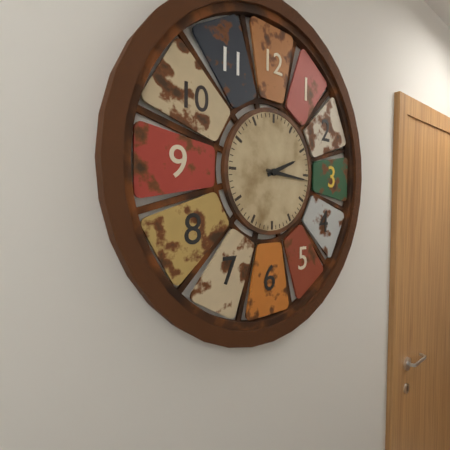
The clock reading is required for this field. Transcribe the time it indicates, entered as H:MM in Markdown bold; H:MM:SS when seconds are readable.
**2:16**
